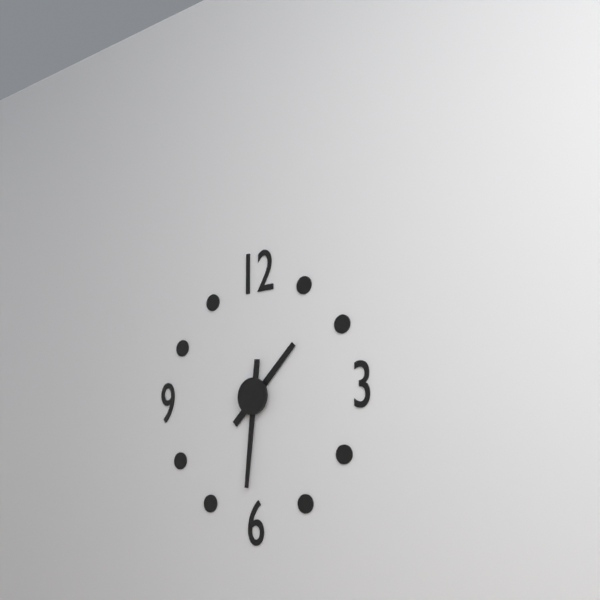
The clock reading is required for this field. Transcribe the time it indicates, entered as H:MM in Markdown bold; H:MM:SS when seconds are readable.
**1:31**
